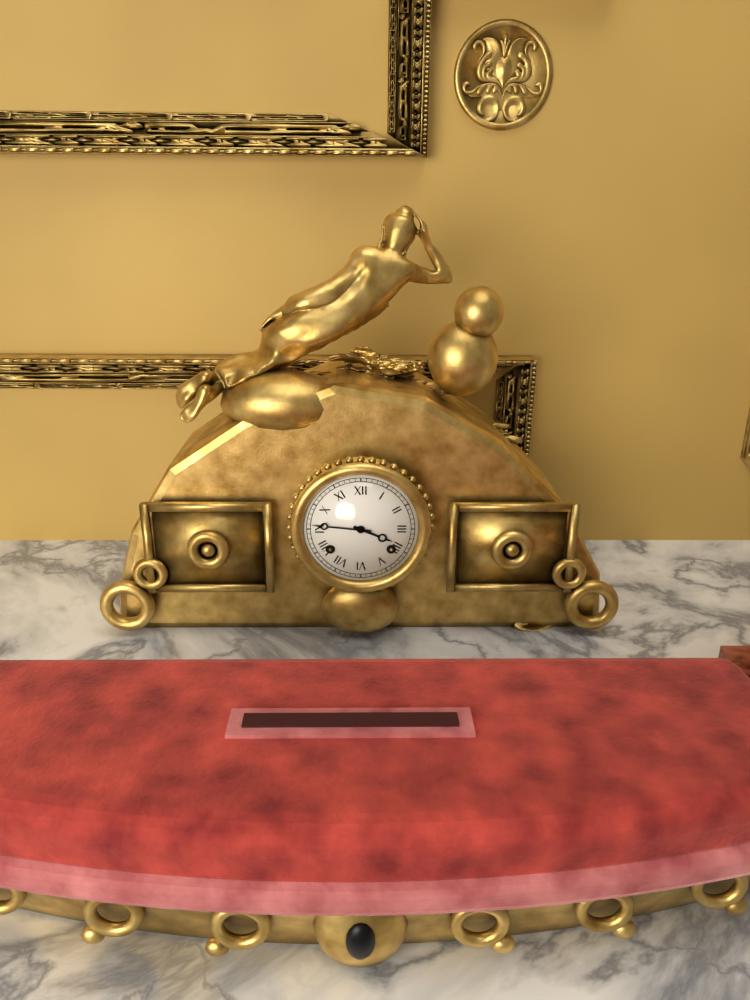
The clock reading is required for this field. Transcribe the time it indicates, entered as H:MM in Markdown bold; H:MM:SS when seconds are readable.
**3:46**
